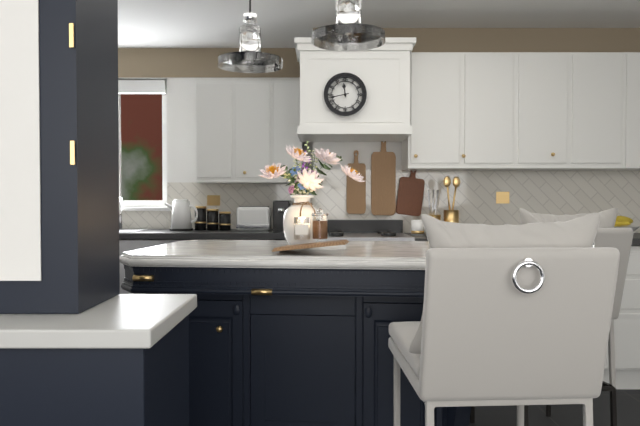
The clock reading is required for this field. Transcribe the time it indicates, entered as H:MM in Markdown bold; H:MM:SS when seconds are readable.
**11:43**
